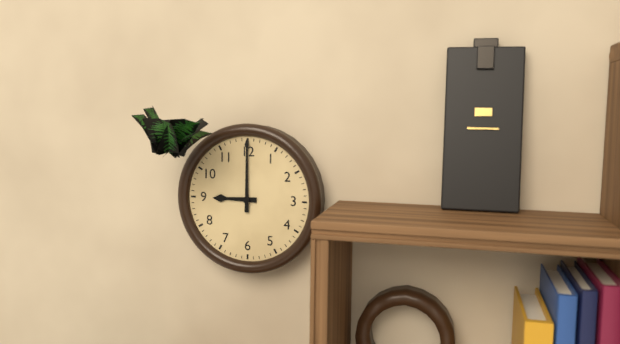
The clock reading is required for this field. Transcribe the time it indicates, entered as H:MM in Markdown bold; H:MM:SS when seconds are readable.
**9:00**
